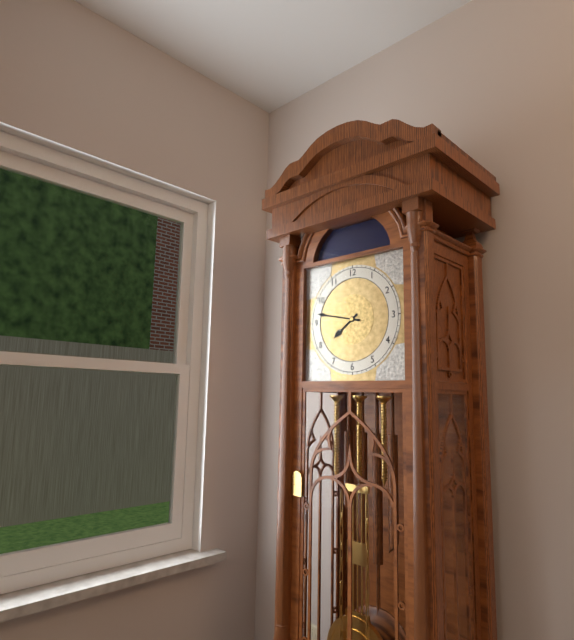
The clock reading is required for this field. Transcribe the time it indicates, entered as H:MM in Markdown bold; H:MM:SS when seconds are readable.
**7:47**
